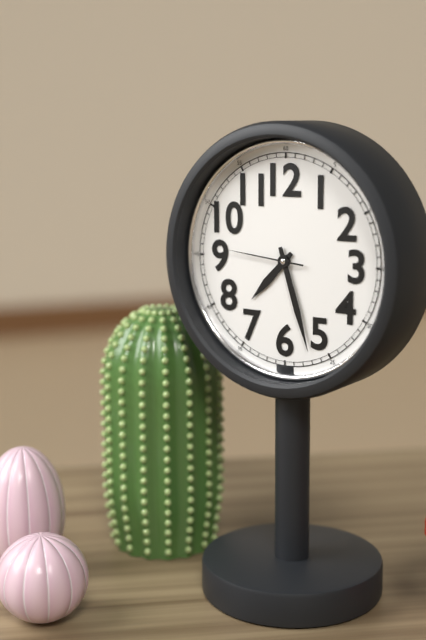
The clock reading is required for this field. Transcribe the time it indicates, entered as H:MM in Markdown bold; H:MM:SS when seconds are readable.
**7:27:46**
